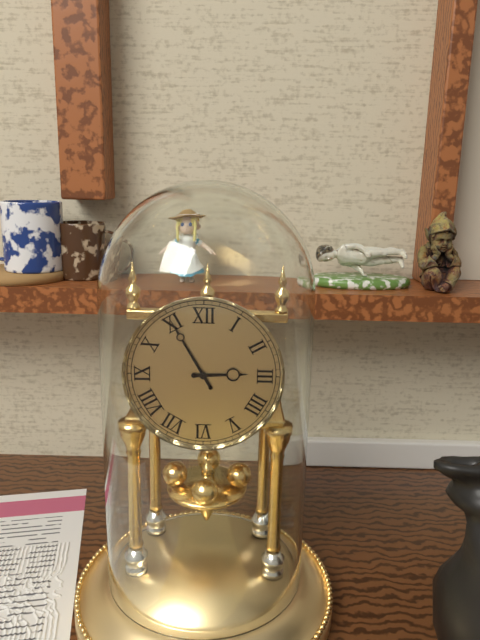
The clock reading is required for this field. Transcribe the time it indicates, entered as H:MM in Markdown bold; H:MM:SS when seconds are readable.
**2:55**
